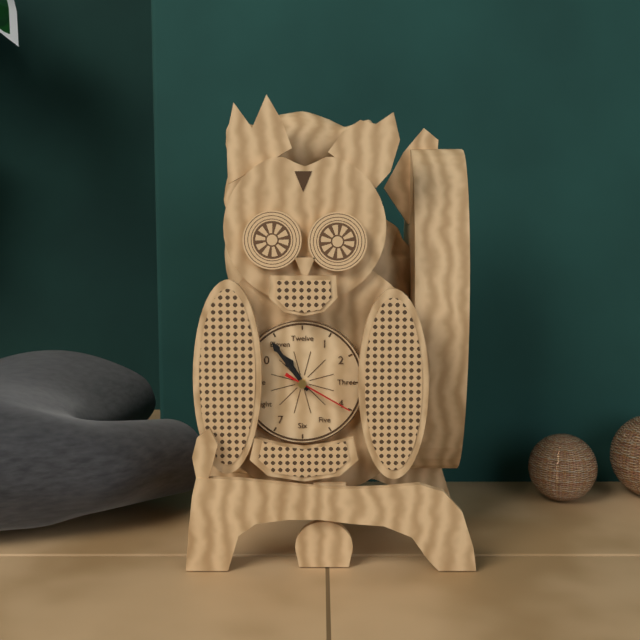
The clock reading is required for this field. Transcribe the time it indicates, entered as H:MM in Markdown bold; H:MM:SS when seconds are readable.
**10:54:20**
